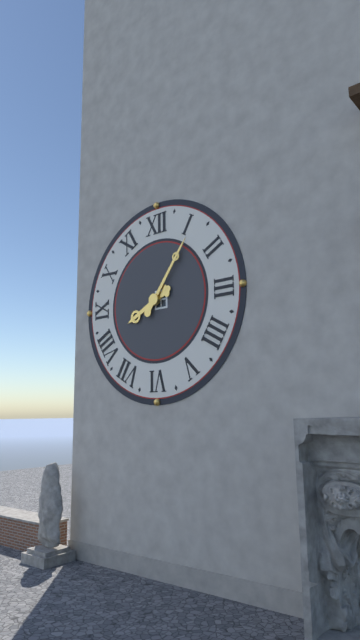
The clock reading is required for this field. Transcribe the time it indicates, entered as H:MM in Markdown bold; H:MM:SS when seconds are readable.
**8:06**
